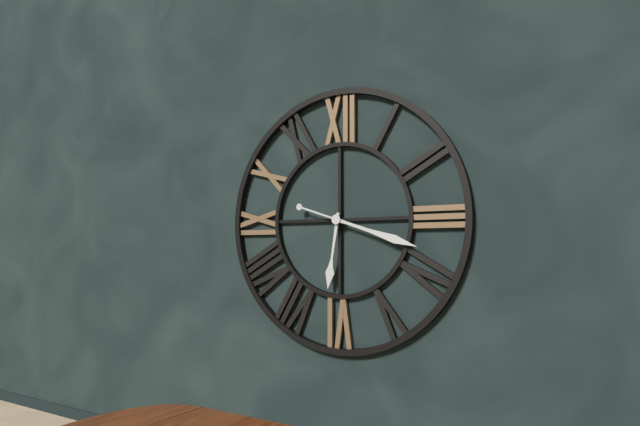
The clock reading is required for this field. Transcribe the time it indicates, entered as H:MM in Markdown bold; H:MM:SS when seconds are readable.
**6:18**
